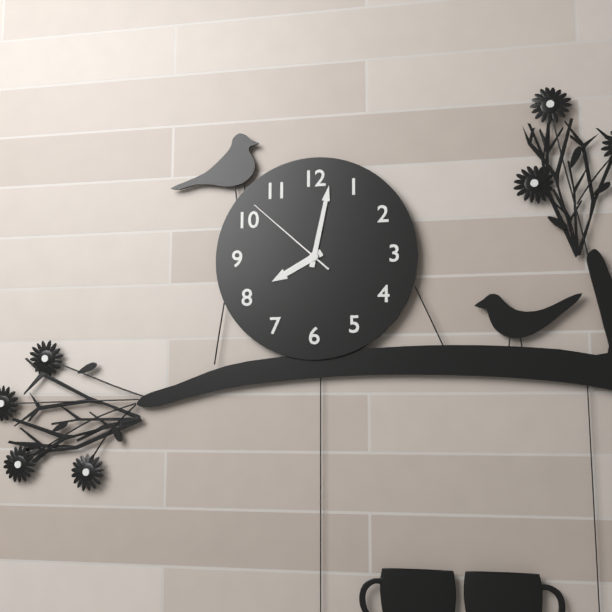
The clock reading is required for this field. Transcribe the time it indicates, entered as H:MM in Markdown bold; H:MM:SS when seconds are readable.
**8:02:52**
